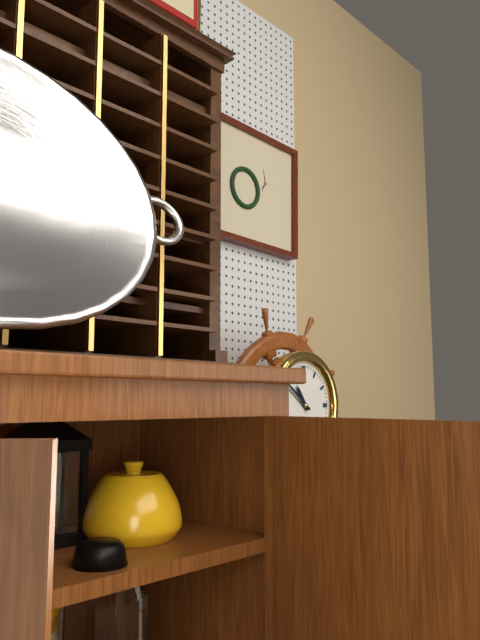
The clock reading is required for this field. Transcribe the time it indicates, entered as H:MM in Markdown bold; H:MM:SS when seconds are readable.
**10:51**
